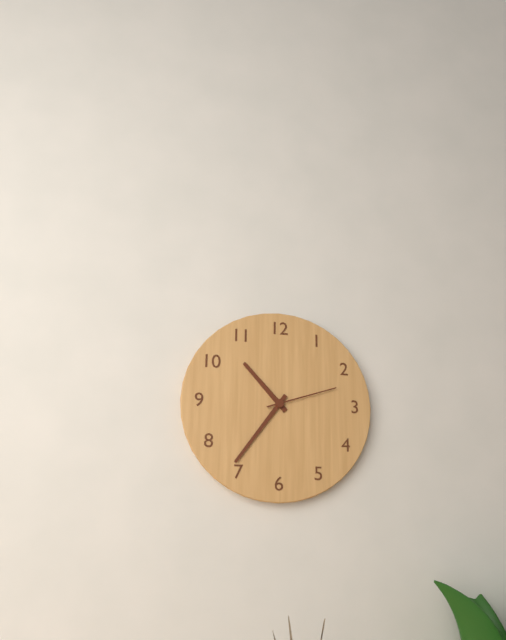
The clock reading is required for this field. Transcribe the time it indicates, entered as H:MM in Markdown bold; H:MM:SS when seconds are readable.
**10:36:12**
